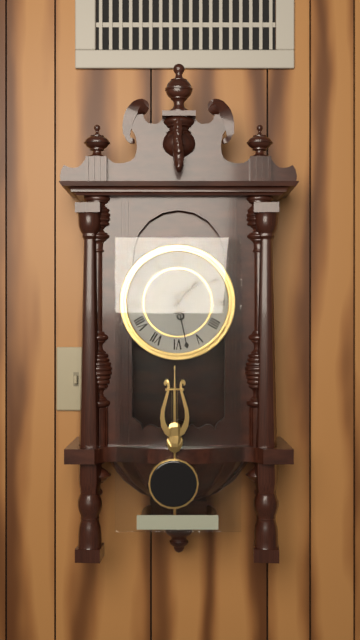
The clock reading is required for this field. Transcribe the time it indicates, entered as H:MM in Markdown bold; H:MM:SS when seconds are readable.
**1:28**
